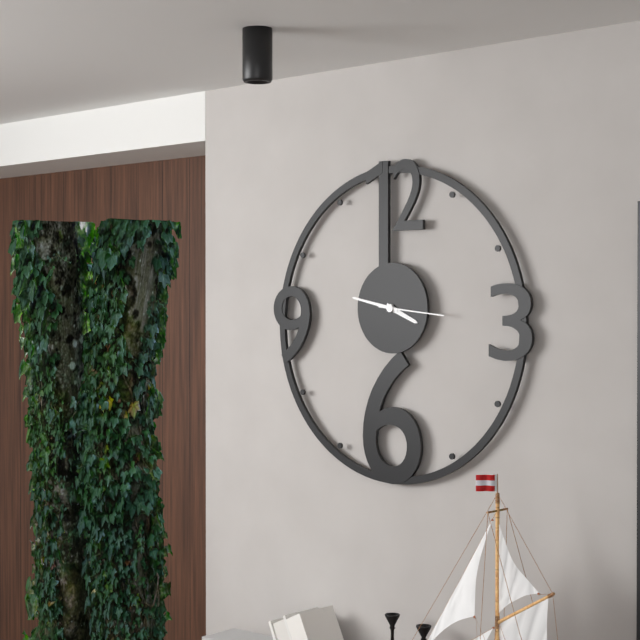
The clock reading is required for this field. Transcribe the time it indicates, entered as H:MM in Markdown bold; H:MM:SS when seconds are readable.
**3:47:16**
